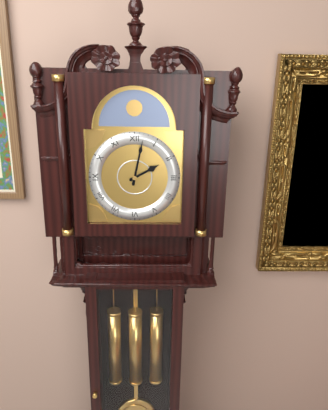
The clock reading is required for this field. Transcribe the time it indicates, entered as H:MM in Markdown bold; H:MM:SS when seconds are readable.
**2:02**
